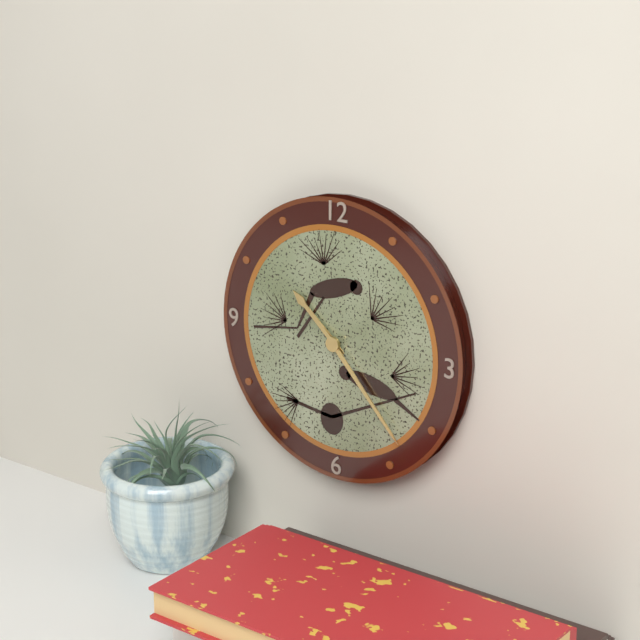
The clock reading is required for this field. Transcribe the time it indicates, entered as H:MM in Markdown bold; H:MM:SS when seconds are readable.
**10:23**
